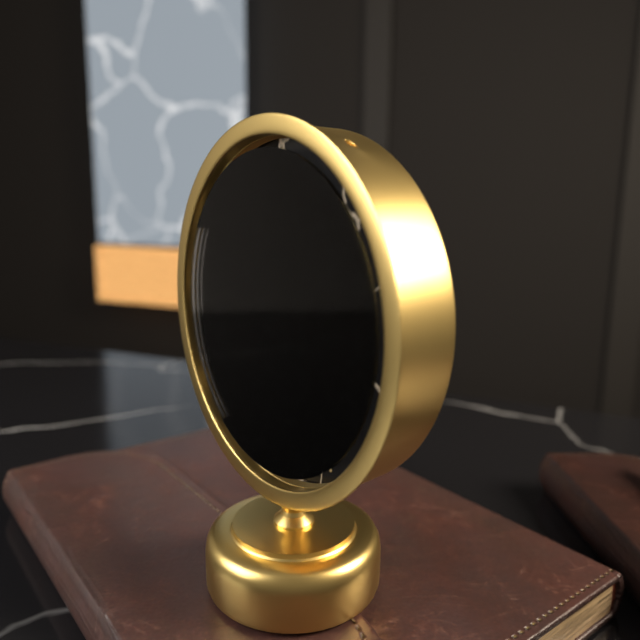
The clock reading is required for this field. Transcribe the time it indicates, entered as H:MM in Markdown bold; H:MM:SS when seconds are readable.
**9:21:05**
